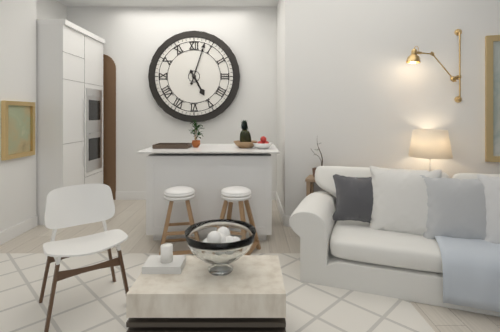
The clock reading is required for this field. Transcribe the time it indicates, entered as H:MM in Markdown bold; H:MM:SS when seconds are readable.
**5:03**
